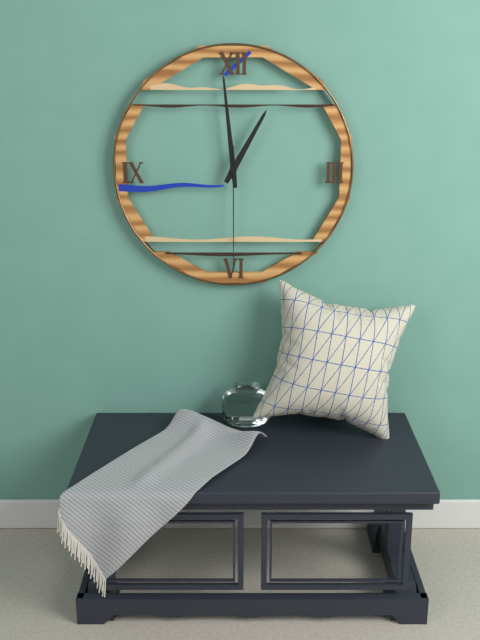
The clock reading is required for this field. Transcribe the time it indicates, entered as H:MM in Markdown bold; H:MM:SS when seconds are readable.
**12:59:30**
